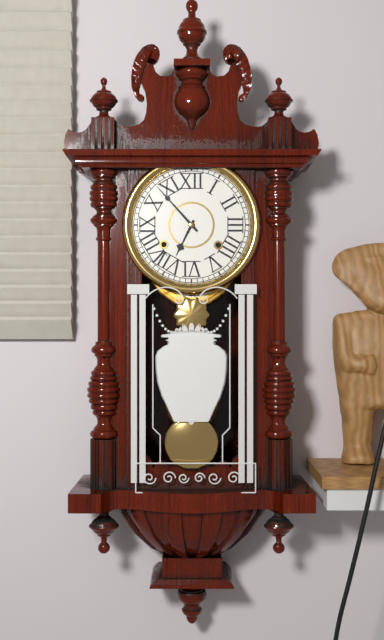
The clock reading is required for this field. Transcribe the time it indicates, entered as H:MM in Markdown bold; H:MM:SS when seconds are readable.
**6:53**
